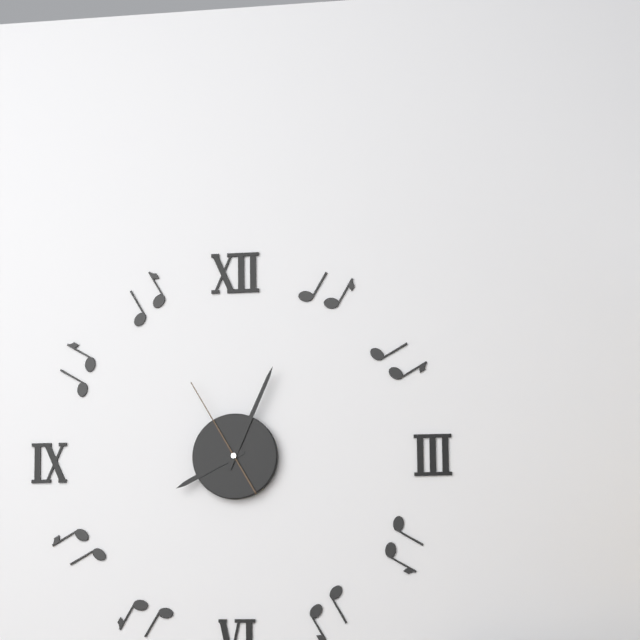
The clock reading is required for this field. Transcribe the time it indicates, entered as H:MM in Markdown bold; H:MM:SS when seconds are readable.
**8:04:55**
